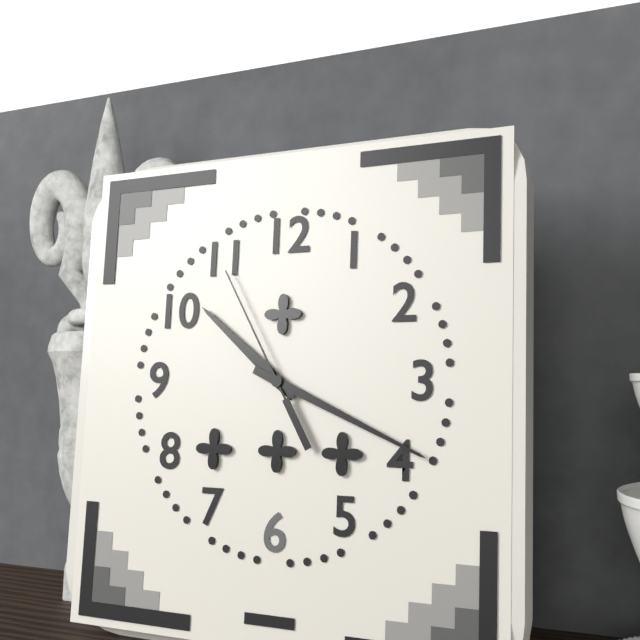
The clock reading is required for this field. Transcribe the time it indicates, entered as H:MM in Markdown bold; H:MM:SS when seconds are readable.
**10:19:55**
